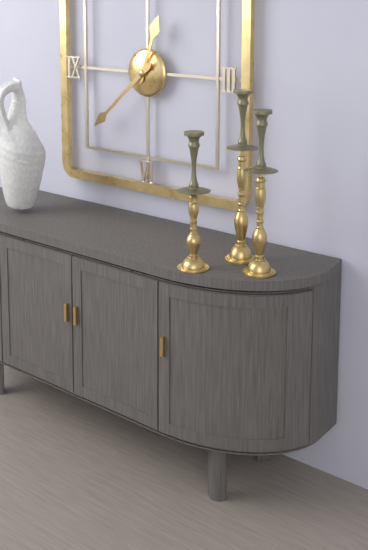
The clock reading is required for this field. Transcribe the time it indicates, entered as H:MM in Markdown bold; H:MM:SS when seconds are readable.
**12:38**
